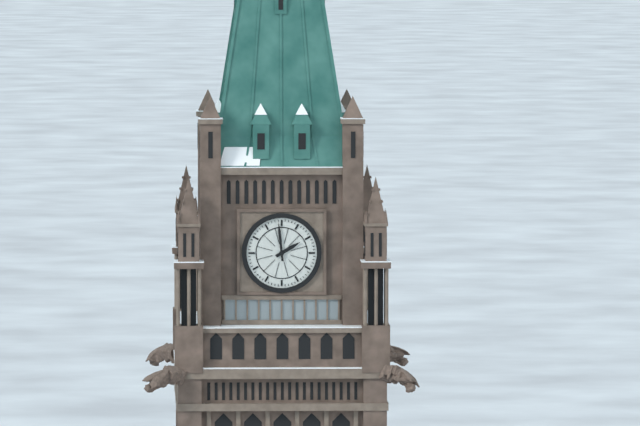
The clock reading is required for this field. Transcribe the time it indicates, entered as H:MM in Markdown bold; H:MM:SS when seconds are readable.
**1:59**
